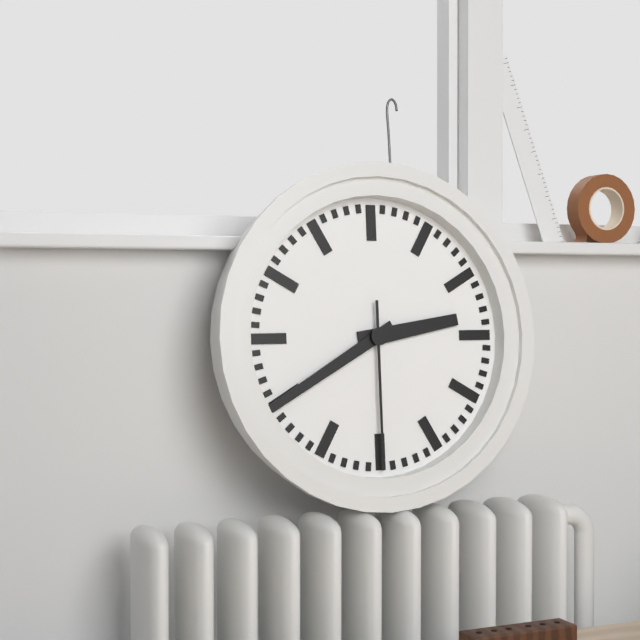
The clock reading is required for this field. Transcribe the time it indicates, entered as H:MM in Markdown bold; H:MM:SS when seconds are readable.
**2:40:30**
